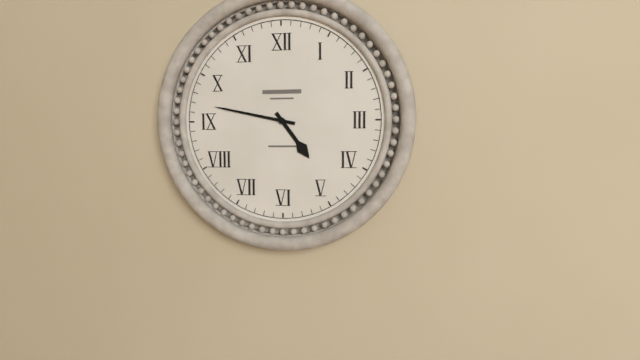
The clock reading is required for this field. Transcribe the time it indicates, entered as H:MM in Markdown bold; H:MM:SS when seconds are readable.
**4:47**
